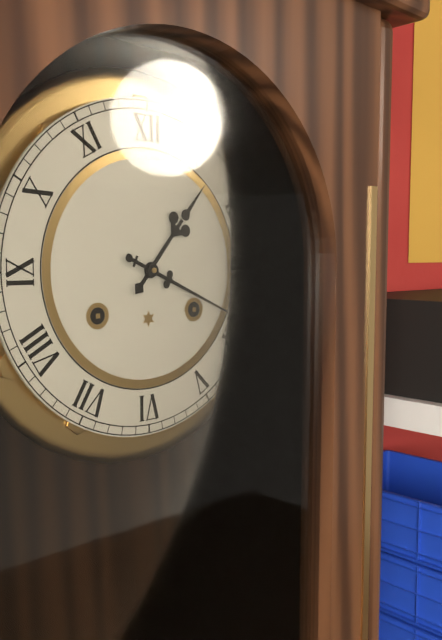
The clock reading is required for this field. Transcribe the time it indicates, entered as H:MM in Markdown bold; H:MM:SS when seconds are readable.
**1:19**
